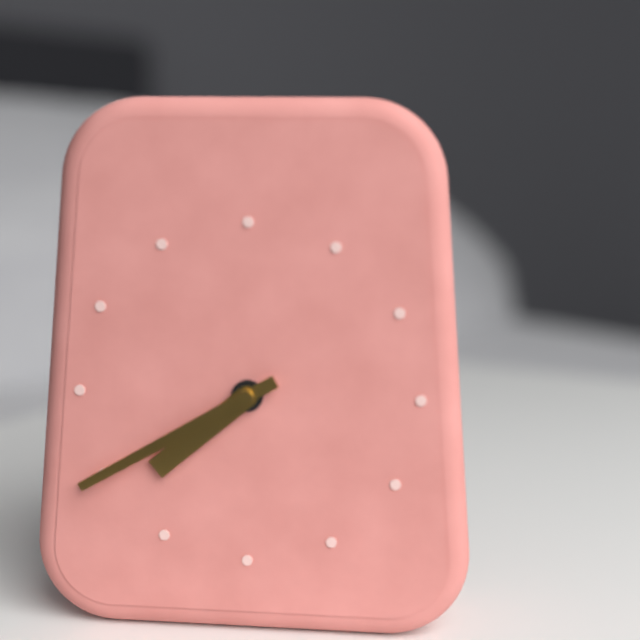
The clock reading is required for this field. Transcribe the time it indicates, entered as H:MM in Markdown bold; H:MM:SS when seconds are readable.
**7:40**
